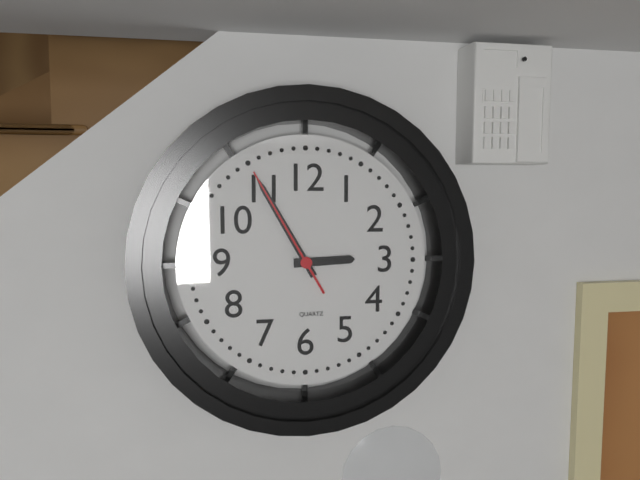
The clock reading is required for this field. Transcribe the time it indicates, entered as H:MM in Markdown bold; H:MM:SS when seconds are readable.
**2:55:55**
